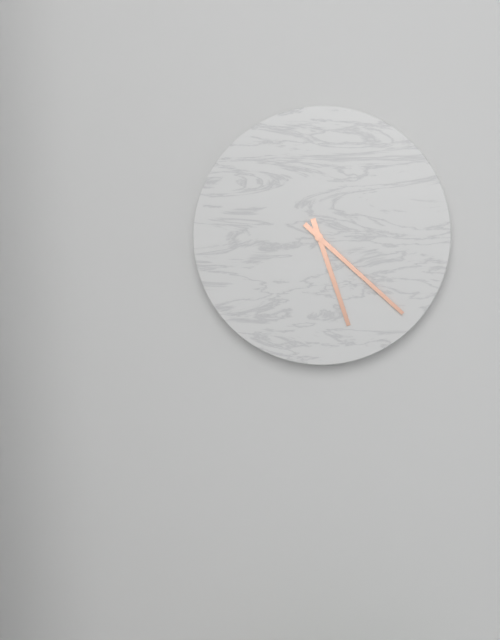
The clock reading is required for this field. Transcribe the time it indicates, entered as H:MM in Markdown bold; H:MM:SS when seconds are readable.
**5:22**
